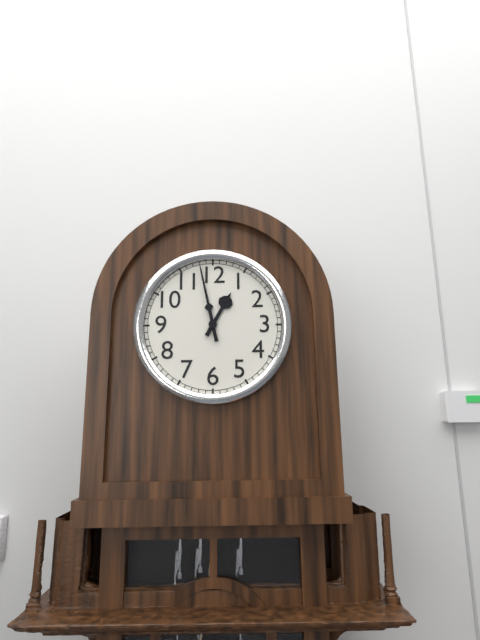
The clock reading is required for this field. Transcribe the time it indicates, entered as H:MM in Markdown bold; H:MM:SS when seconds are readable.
**12:58**
